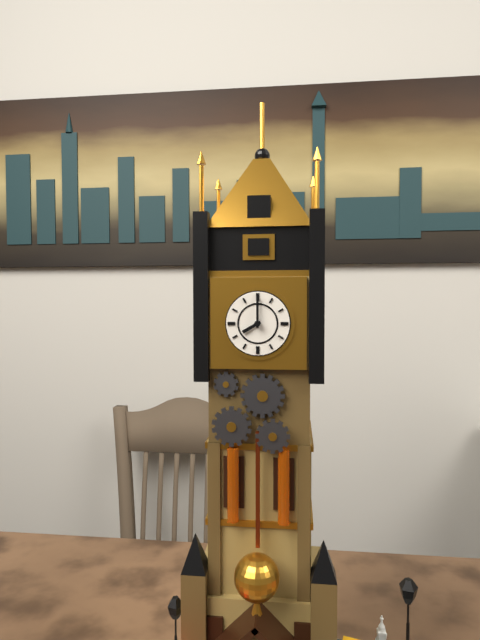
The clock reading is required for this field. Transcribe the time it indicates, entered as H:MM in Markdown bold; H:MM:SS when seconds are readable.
**8:00**
